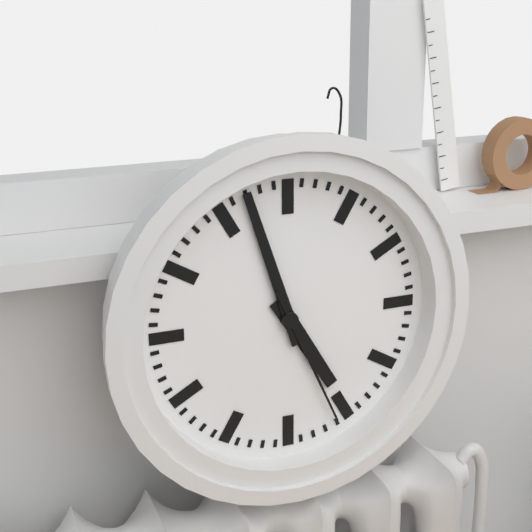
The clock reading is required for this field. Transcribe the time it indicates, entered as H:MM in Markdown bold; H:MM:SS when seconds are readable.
**4:57:26**
